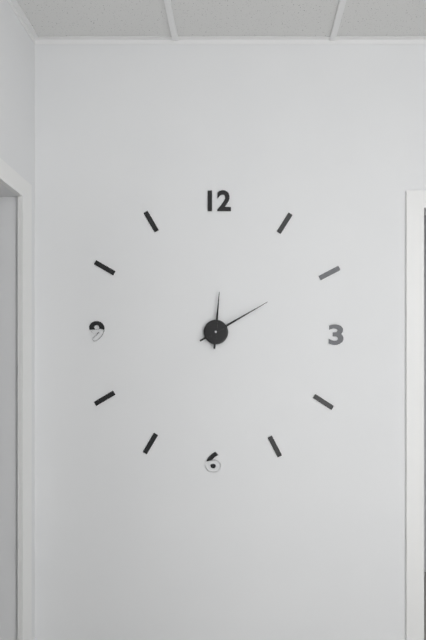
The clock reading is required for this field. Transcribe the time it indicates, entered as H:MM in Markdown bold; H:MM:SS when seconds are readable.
**12:10**
